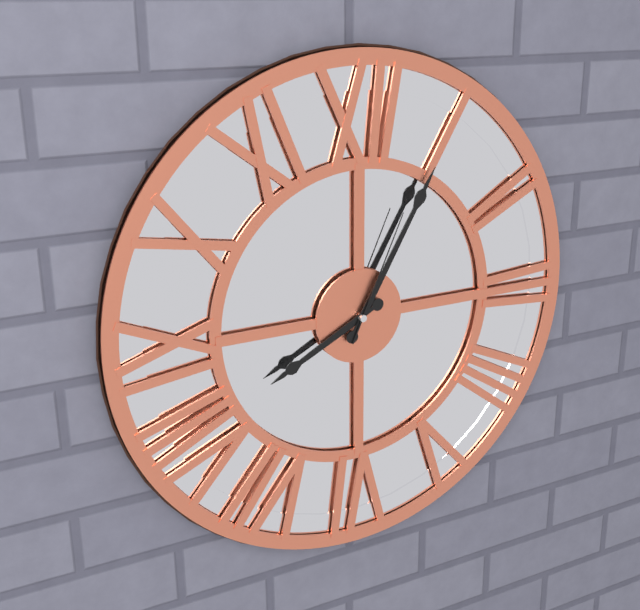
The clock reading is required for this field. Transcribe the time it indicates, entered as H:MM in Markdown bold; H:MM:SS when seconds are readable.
**8:05:04**
